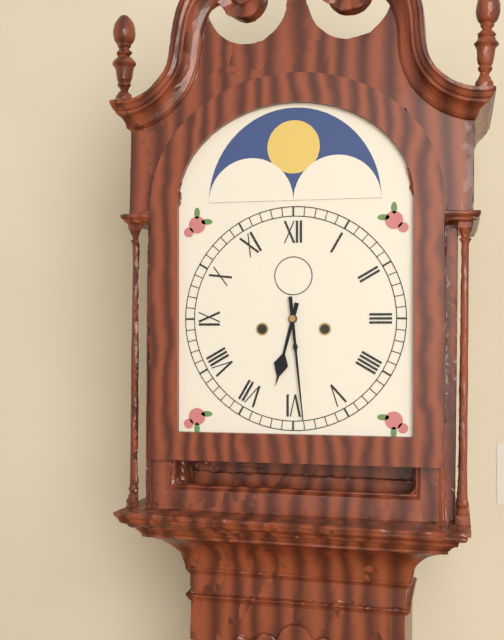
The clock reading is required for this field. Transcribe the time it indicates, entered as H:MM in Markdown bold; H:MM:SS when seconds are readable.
**6:29**
